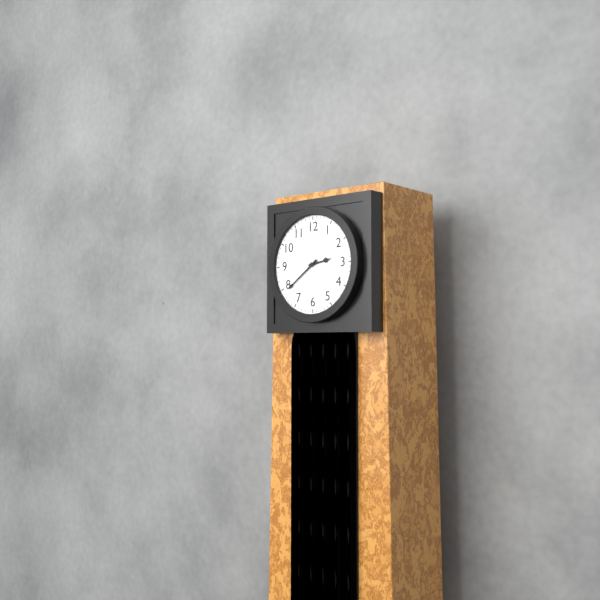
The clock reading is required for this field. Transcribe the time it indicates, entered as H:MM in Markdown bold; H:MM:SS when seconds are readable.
**2:39**
